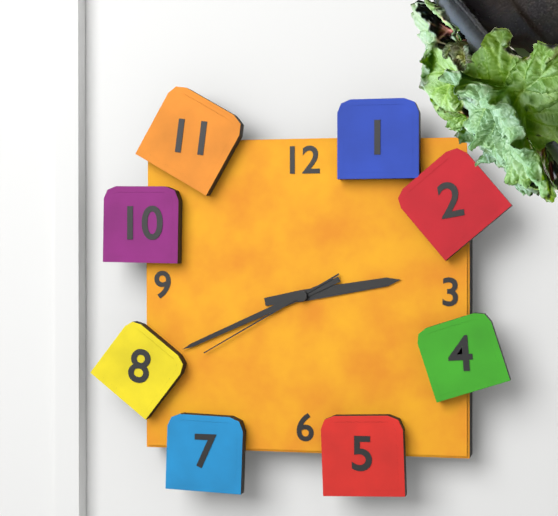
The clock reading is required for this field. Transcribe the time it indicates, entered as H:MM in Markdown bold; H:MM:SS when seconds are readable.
**2:41:40**
